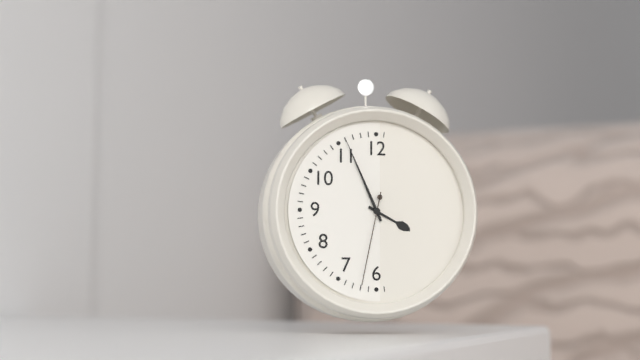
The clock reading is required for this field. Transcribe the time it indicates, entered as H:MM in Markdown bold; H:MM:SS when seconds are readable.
**3:56:32**
